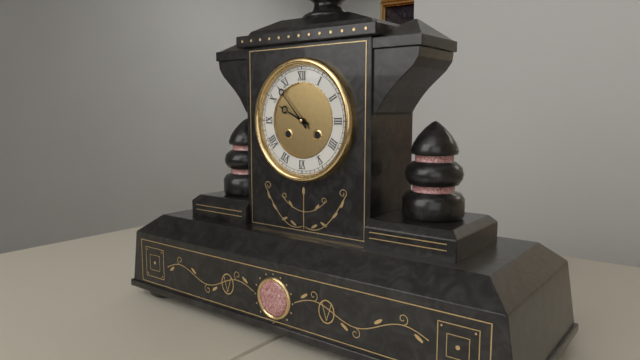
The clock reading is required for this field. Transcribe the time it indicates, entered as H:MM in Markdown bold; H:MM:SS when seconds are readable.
**9:53**
